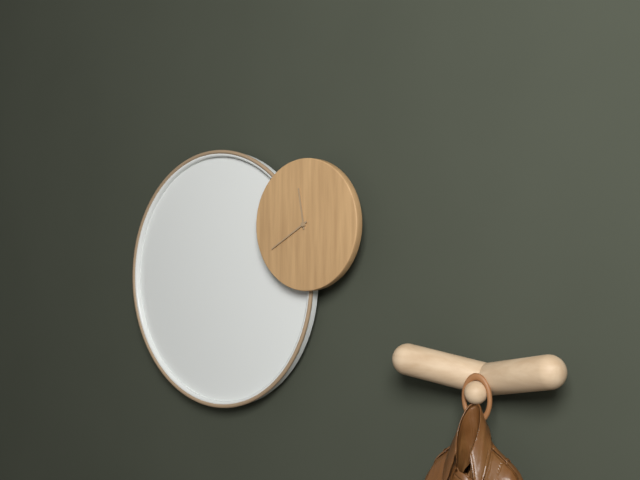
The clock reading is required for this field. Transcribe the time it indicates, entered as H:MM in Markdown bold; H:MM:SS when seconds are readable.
**11:40**
